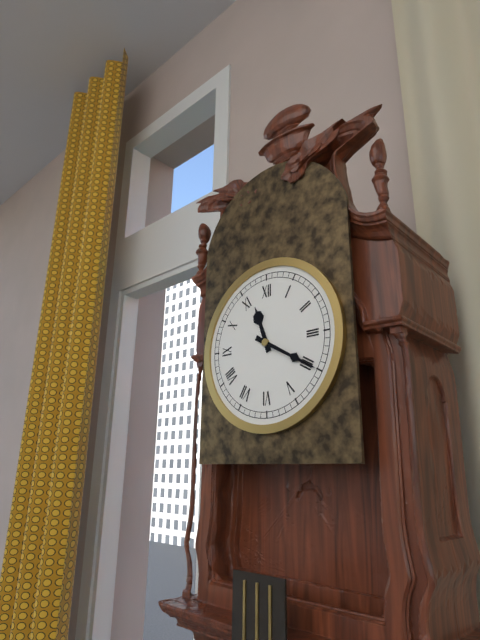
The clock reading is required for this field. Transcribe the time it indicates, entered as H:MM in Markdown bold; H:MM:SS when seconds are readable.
**11:20**
